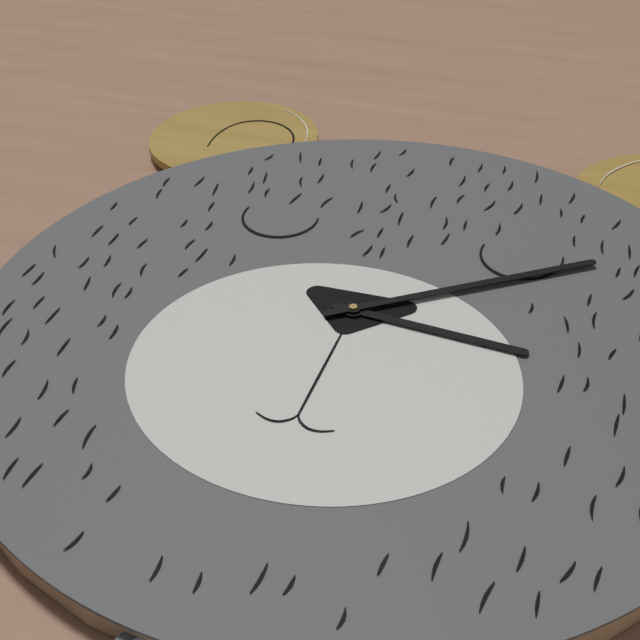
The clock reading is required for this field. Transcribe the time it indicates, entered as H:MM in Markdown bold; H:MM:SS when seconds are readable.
**3:09**
